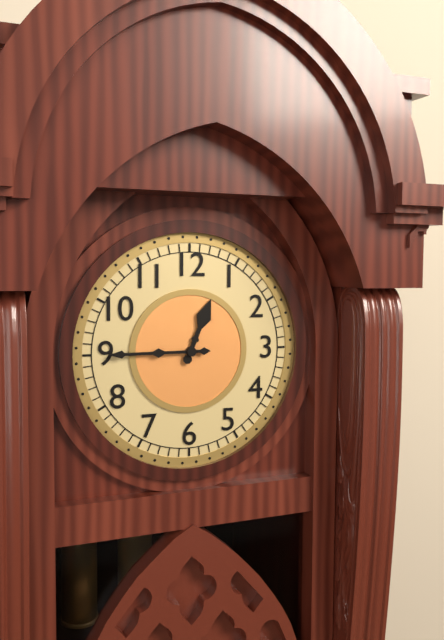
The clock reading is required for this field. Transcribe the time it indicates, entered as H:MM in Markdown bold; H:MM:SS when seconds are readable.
**12:45**
